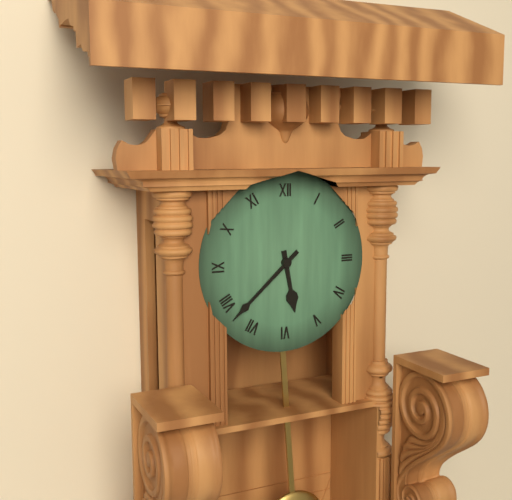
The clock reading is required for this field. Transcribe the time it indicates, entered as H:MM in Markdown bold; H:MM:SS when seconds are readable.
**5:38**
